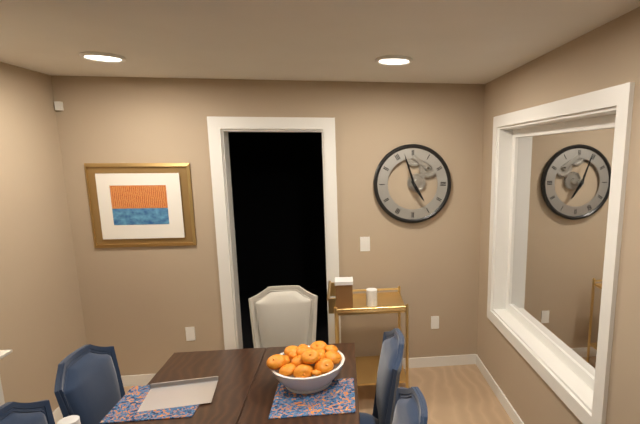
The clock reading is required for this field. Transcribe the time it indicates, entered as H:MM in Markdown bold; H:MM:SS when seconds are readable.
**4:57**
